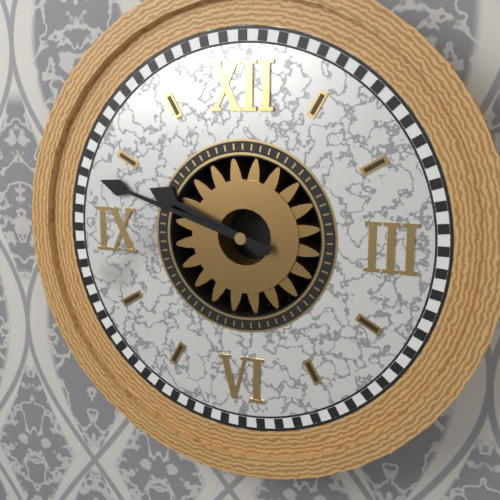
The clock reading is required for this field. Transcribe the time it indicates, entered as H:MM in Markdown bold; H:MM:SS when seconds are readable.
**9:48**
